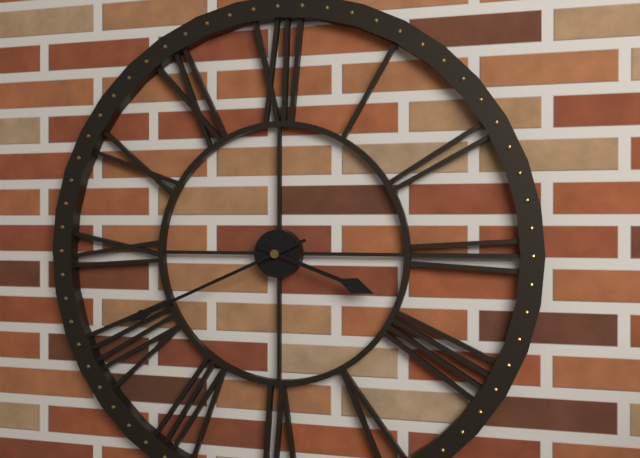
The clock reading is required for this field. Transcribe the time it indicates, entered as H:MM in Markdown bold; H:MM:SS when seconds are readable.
**3:41**
